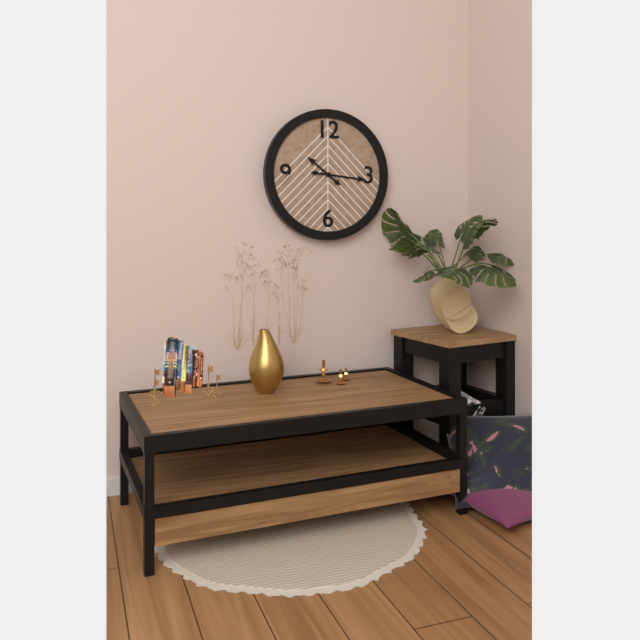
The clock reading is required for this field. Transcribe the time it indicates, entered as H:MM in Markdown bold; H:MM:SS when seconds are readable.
**10:16**
